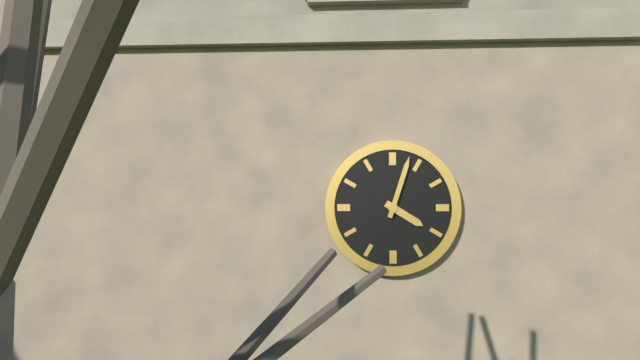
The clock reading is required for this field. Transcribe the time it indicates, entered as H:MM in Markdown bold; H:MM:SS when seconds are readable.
**4:03**
